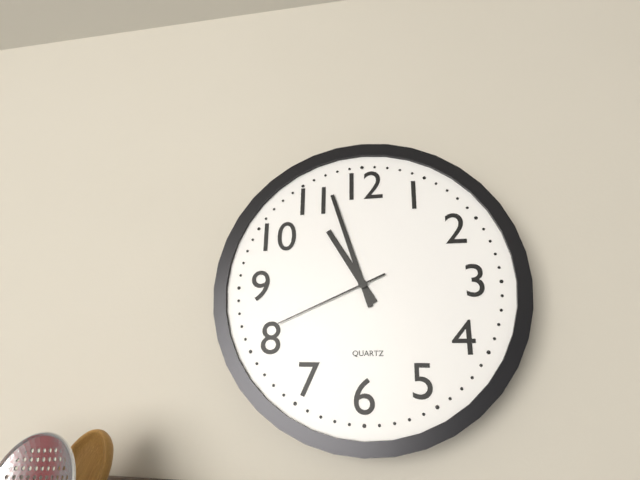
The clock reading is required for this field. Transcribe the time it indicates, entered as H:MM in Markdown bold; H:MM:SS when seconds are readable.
**10:57:41**
